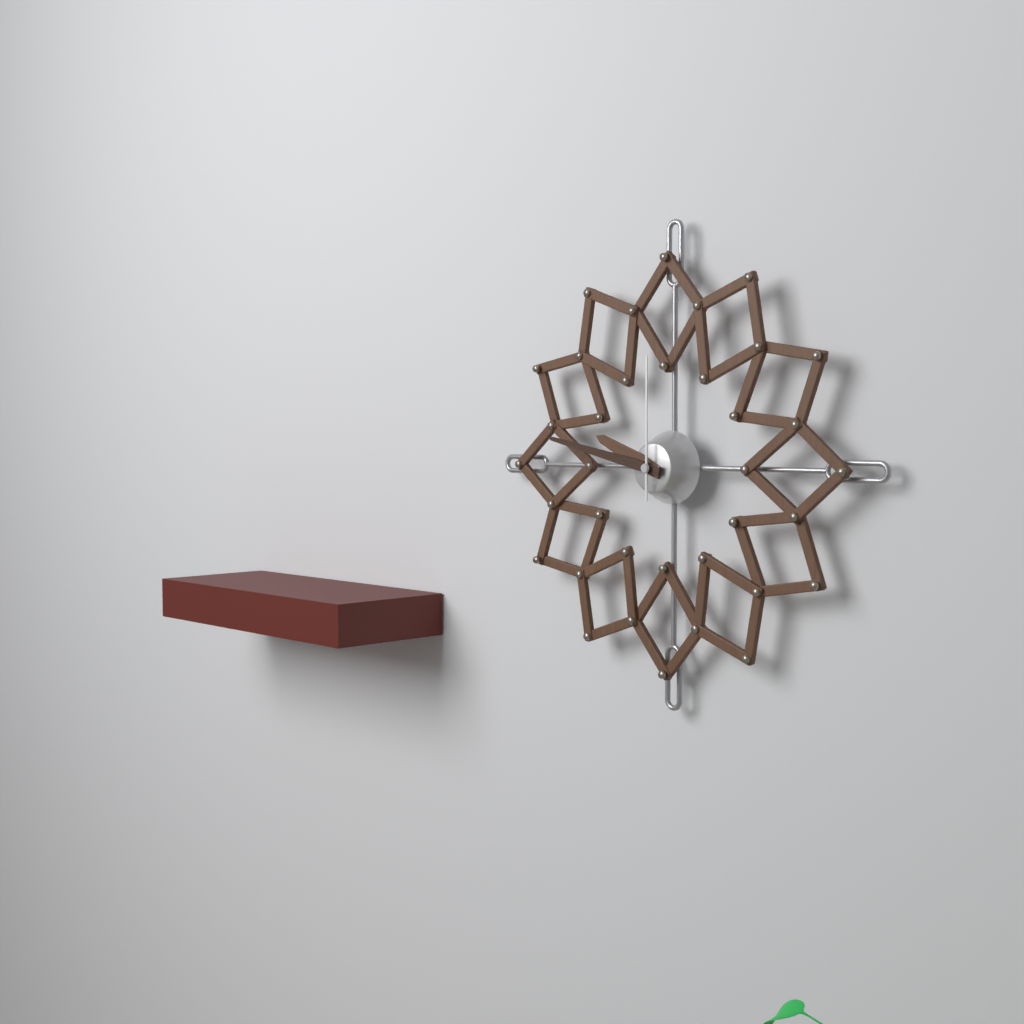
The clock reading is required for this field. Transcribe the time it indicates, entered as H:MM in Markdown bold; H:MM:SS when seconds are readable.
**9:47:00**
